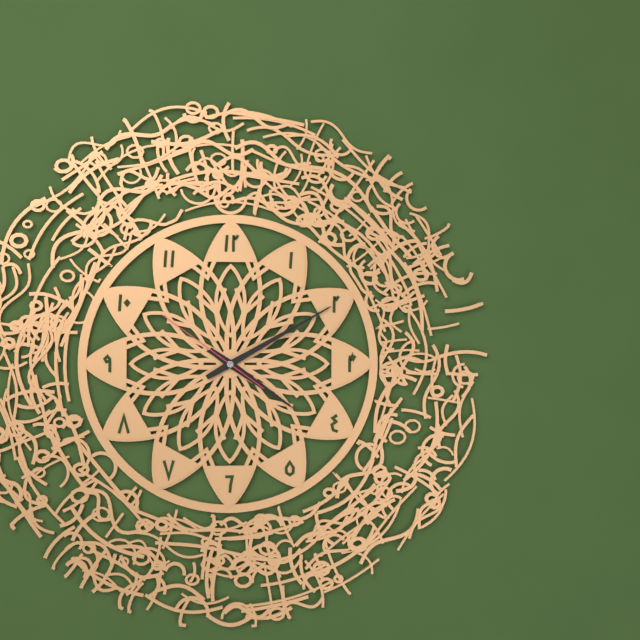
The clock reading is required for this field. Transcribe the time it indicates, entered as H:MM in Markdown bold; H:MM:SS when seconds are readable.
**4:10:51**
